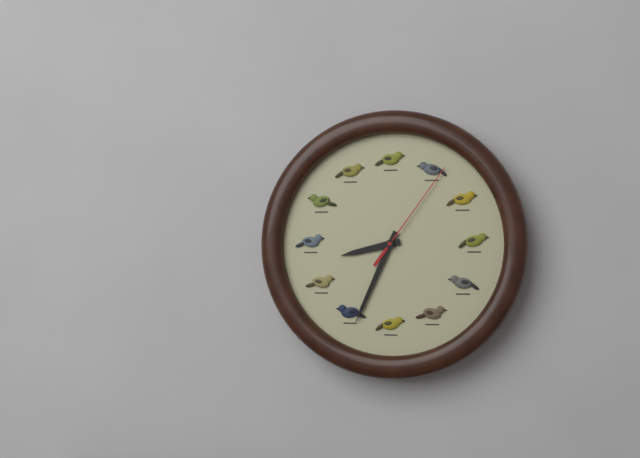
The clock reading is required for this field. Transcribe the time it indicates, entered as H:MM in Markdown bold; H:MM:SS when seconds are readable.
**8:34:06**
